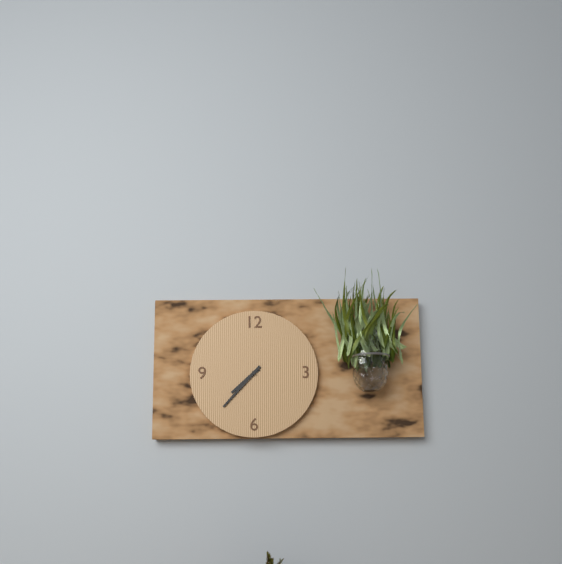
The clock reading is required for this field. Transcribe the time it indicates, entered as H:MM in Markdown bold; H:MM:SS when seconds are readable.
**7:37**
